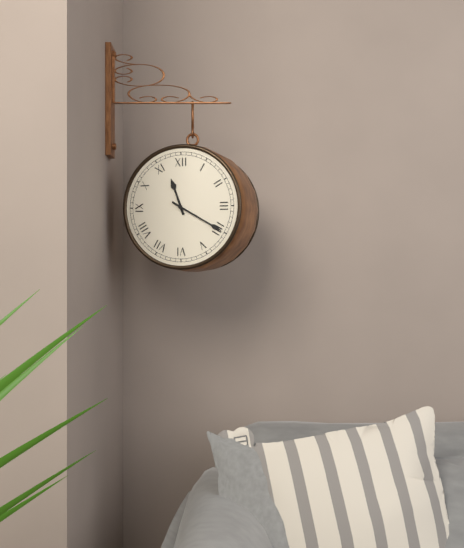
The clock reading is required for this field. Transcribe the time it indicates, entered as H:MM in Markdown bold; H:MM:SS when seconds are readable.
**11:20**
